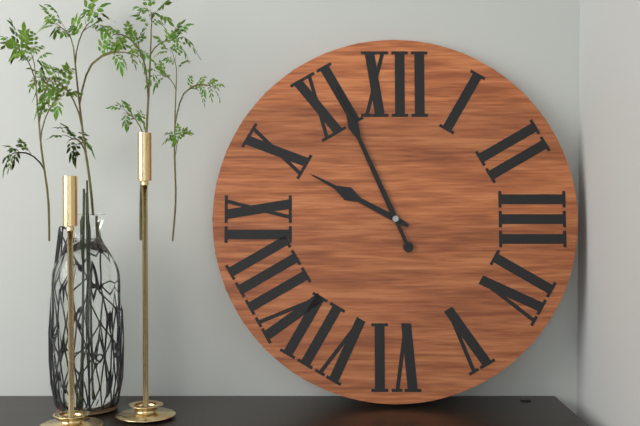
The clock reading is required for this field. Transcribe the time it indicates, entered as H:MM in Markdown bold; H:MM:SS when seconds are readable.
**9:56**
